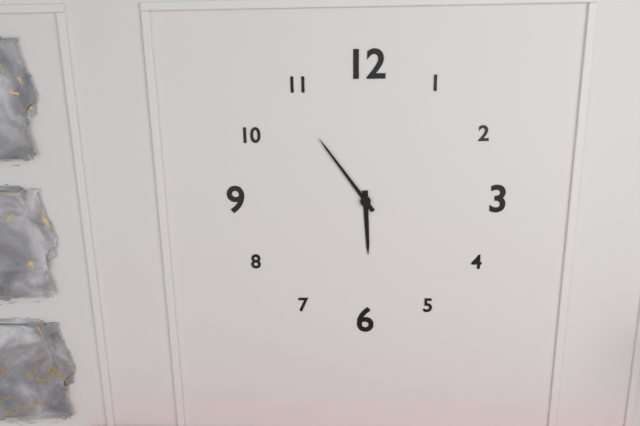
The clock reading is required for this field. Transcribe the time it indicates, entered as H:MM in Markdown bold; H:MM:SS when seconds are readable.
**5:54**
